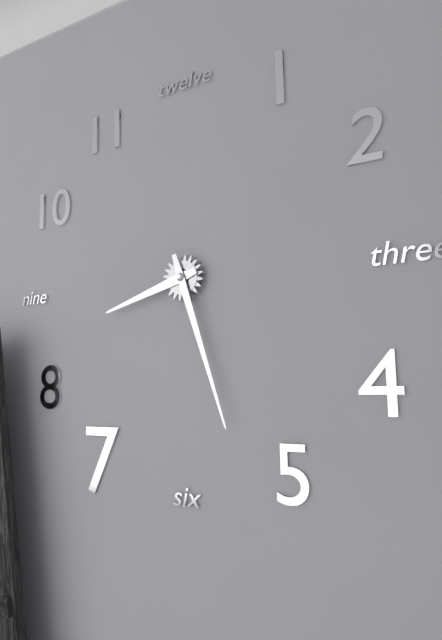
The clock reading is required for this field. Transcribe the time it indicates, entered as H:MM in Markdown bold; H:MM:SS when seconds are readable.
**8:27**
